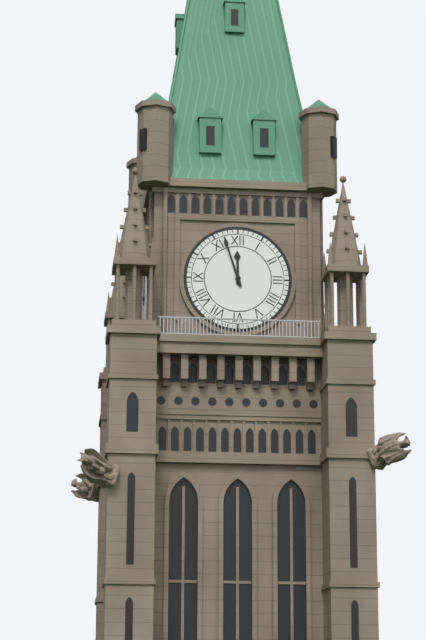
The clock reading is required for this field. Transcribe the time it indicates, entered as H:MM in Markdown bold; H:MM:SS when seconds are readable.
**11:57**
